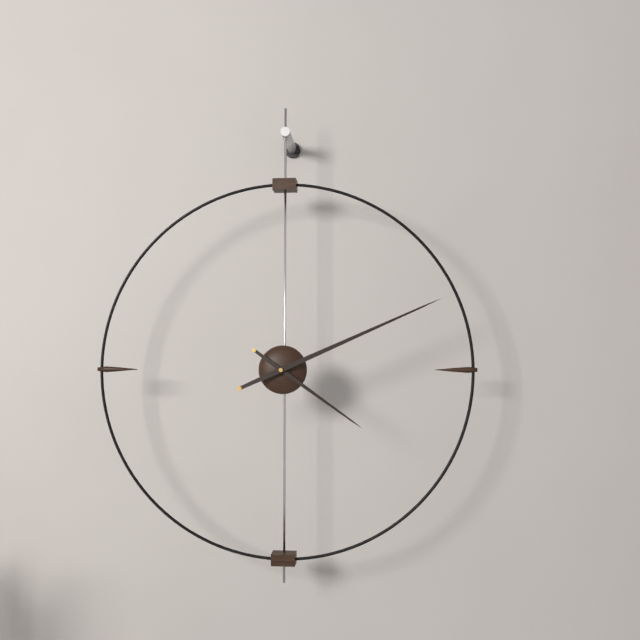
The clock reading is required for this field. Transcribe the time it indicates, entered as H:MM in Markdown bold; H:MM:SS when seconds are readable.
**4:11**
